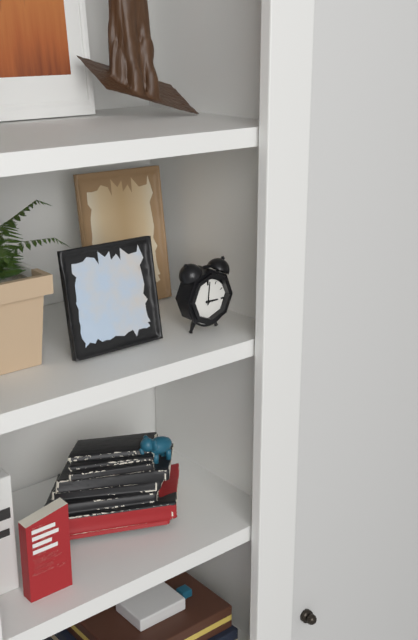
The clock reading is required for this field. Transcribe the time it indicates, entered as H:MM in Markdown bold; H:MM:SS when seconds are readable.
**3:01**
